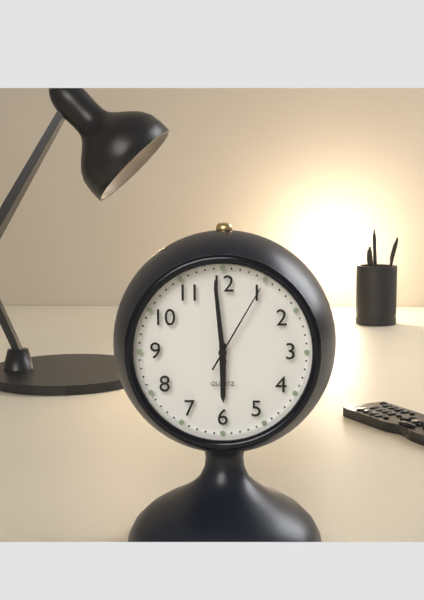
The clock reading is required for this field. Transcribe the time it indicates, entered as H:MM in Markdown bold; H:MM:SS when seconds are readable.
**5:59:05**
